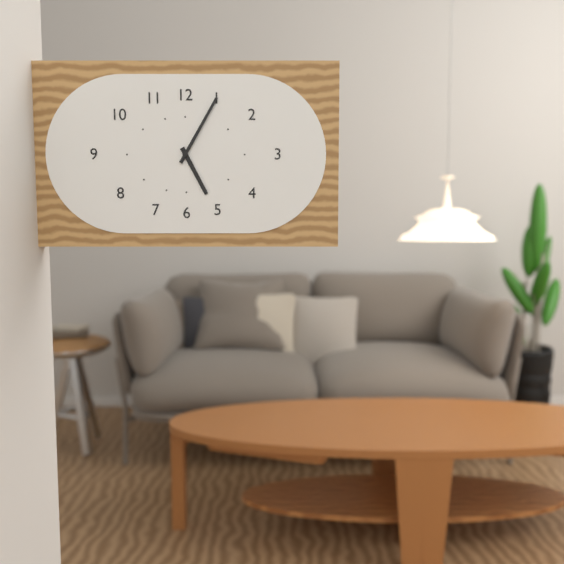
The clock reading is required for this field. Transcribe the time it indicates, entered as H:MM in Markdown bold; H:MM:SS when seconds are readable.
**5:05**
